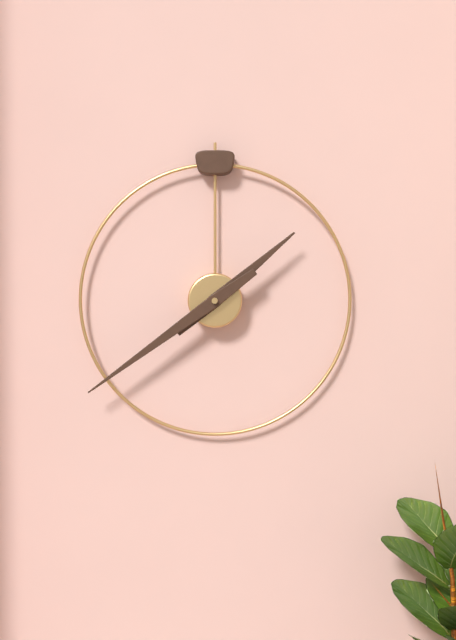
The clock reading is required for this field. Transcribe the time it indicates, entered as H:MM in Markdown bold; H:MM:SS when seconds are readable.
**1:39**
